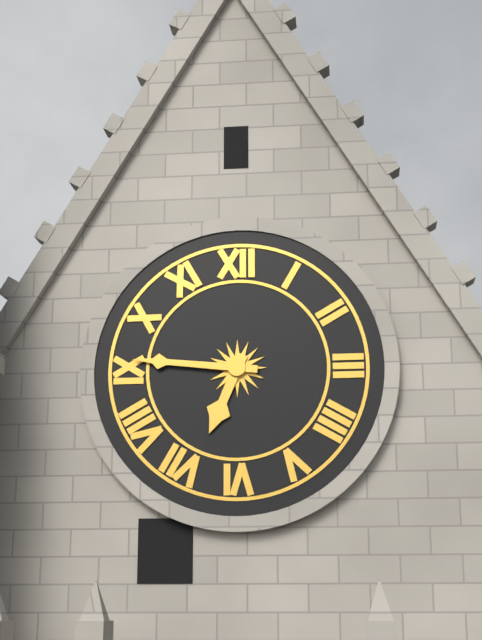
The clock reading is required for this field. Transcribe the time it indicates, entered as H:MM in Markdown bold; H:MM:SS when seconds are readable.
**6:46**
